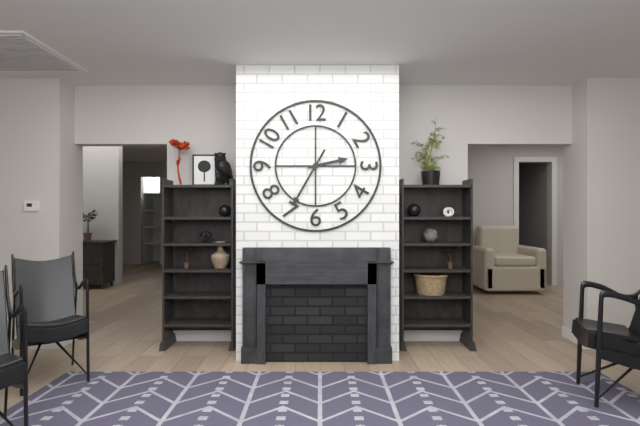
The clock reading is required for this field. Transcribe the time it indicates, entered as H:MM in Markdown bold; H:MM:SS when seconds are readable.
**2:35**
